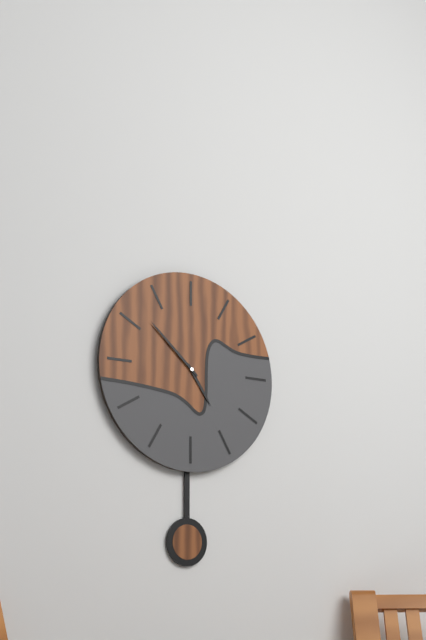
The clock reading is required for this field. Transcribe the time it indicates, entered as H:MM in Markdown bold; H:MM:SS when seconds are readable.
**4:52**
